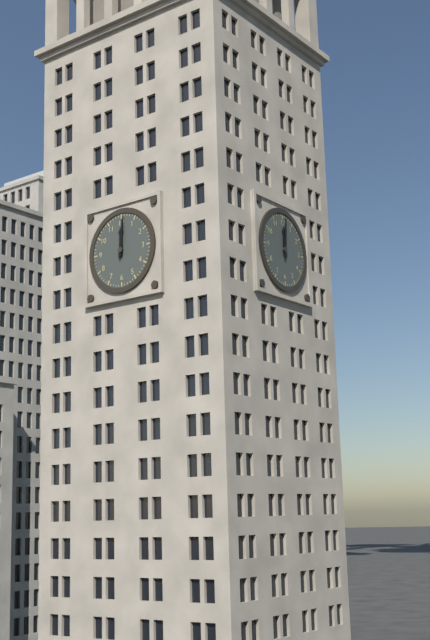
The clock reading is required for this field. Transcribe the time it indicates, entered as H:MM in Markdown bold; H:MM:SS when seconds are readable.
**12:01**
